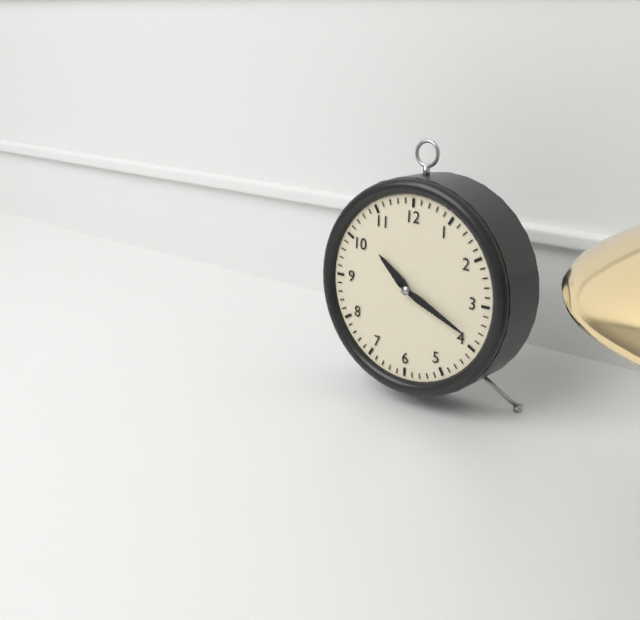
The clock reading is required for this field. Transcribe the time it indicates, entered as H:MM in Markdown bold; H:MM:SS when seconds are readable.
**10:19**
